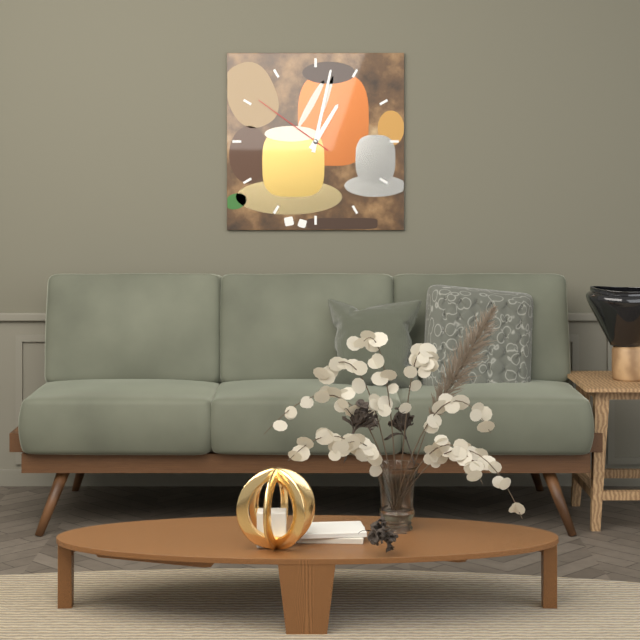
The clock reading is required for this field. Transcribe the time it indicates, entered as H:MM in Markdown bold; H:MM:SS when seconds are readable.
**1:02:51**
